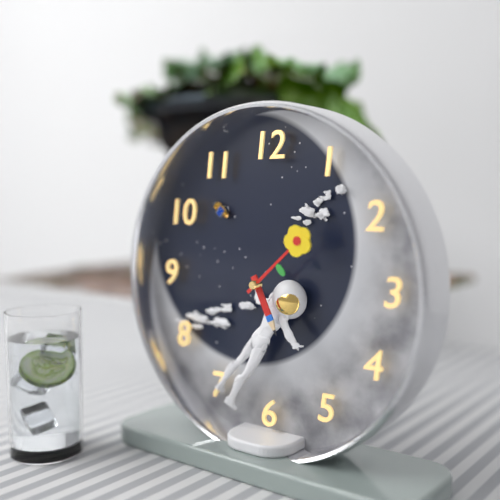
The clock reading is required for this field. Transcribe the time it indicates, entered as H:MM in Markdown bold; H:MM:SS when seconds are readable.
**5:08**
